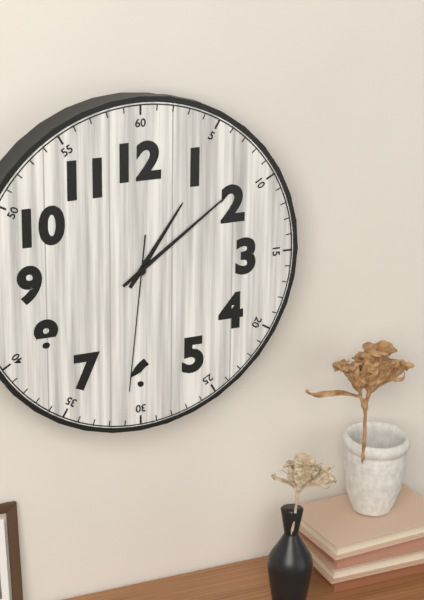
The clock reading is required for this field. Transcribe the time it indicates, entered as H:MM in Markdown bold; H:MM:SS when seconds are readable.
**1:09:31**
